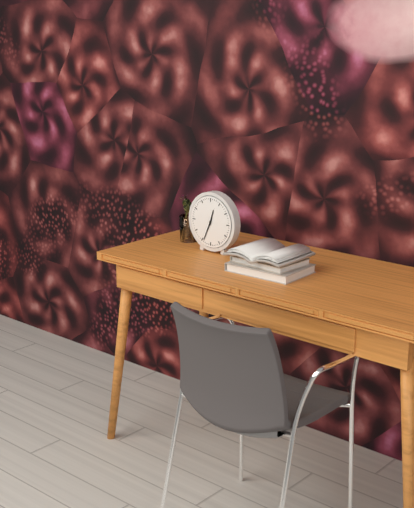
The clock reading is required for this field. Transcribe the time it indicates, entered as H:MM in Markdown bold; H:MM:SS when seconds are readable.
**12:34**
